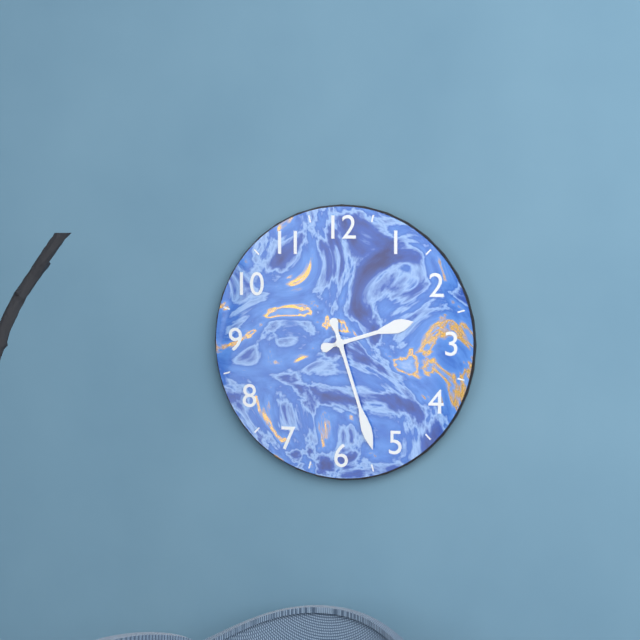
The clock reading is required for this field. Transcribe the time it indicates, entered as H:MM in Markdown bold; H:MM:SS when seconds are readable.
**2:27**
